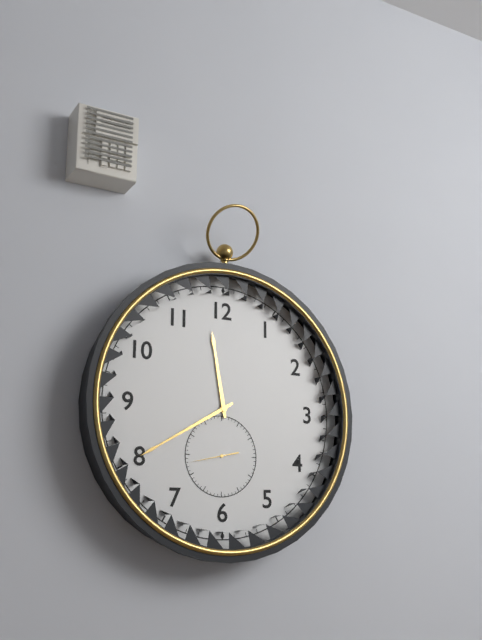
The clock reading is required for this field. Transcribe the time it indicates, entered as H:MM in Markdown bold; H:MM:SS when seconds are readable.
**11:40**
